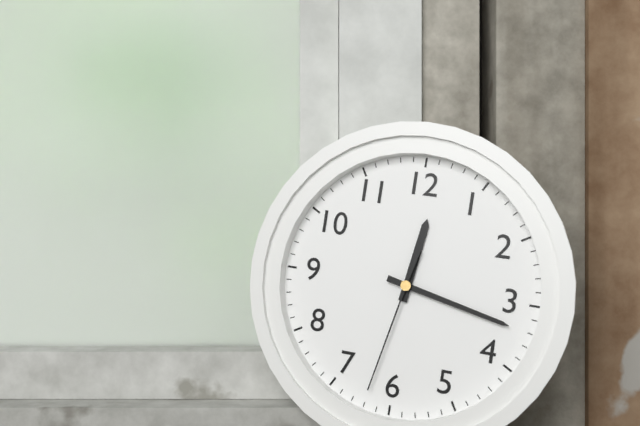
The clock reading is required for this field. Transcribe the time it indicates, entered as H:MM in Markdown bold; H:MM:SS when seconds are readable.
**12:17:32**
